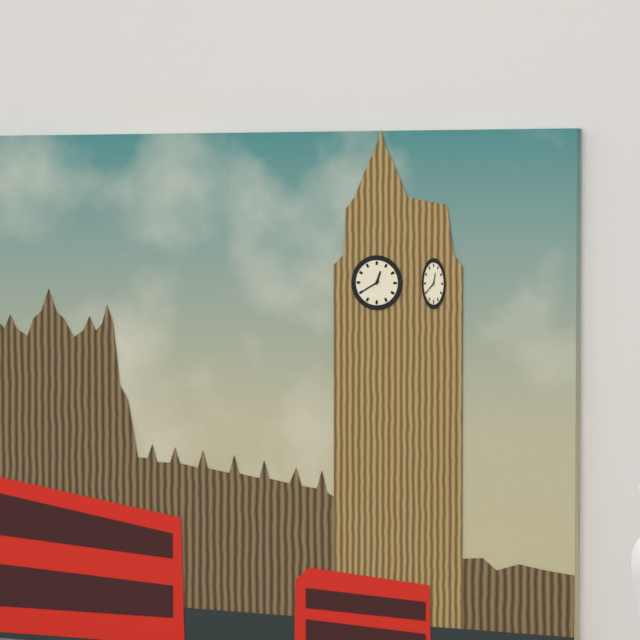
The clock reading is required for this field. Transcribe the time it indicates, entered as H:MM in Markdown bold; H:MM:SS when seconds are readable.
**12:40**
